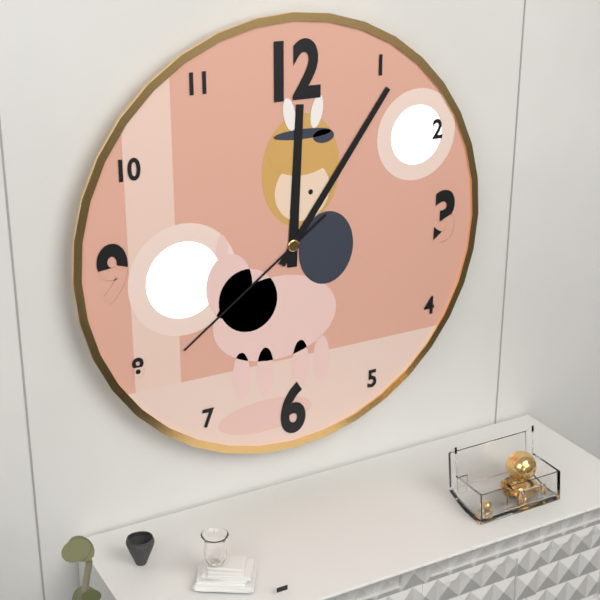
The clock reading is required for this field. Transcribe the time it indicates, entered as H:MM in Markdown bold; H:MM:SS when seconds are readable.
**12:06:39**
